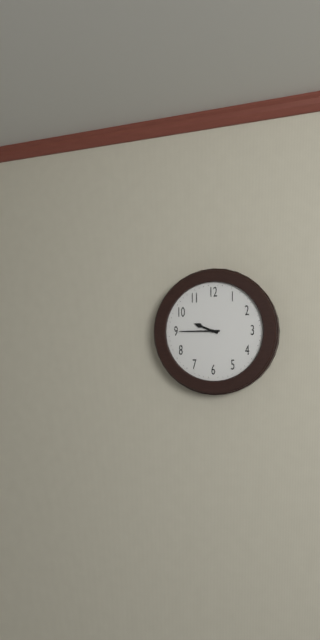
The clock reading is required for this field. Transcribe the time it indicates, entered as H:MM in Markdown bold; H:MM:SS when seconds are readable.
**9:45**
